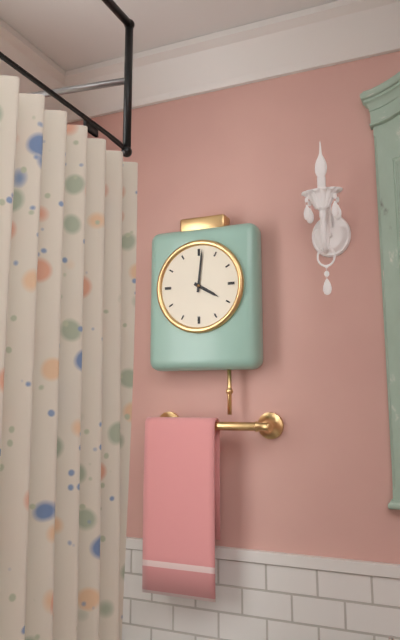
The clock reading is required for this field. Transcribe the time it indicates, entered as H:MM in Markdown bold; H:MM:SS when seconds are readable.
**4:01**
